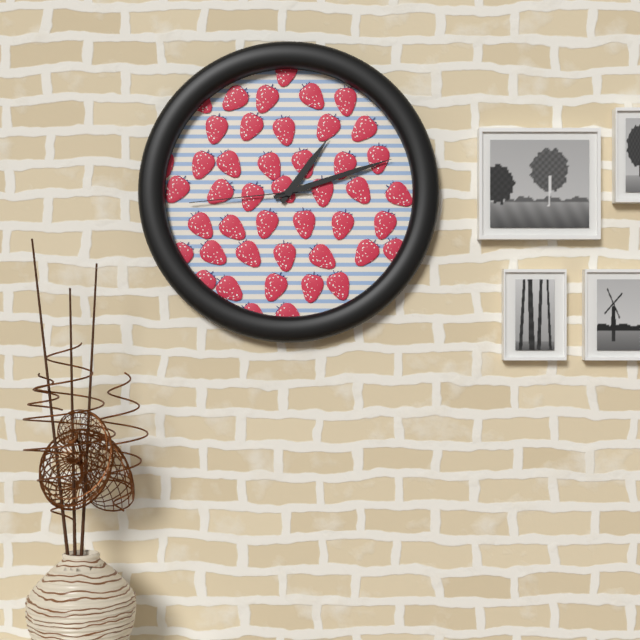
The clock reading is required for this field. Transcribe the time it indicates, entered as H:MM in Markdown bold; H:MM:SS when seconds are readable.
**1:12:44**
